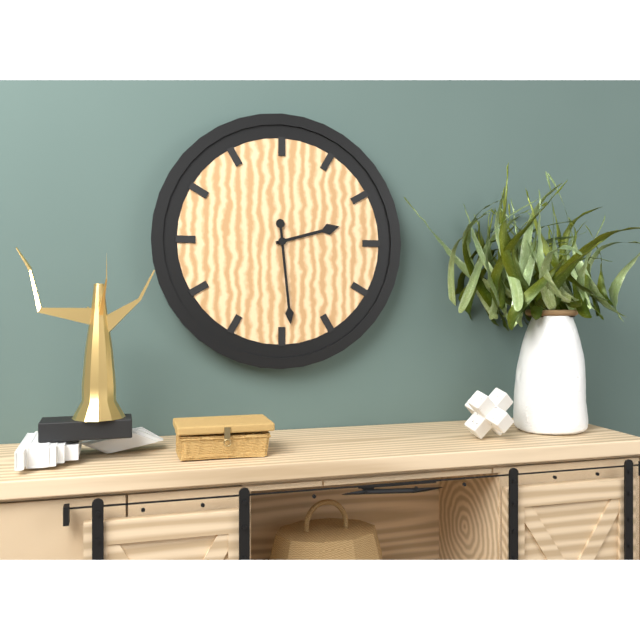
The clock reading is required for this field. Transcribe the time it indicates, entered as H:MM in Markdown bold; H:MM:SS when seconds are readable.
**2:29**
